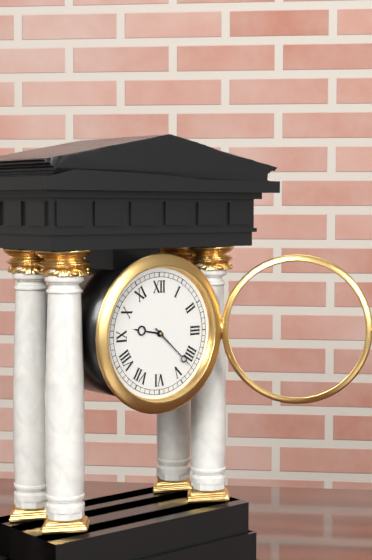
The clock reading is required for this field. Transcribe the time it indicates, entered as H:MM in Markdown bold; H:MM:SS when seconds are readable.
**9:22**
